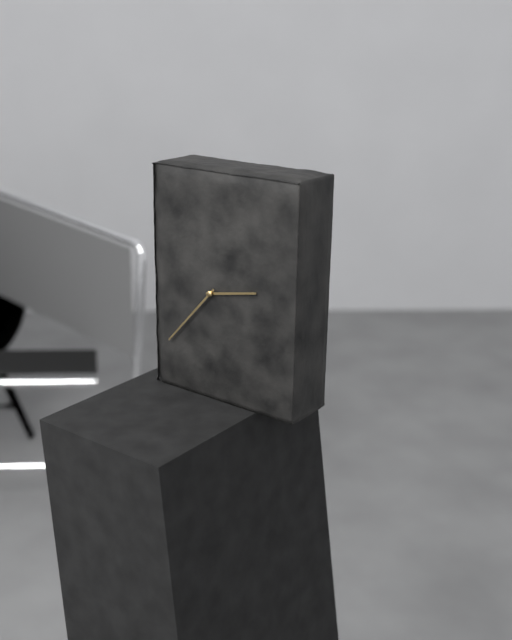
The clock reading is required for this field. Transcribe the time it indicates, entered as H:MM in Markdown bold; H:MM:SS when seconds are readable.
**2:37**
